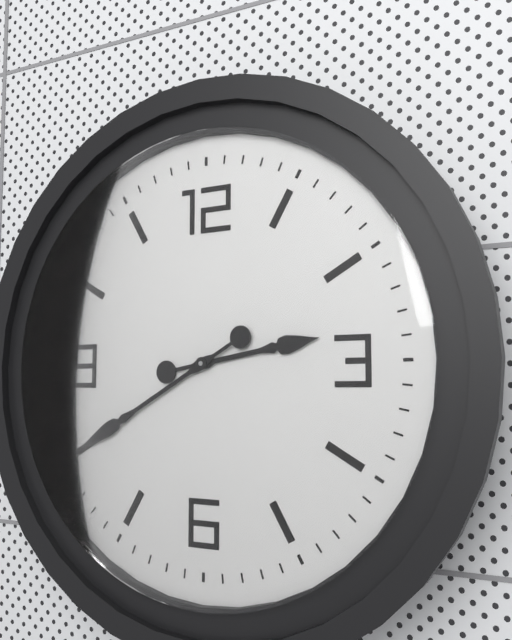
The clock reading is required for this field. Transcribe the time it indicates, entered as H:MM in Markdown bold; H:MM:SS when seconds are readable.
**2:40**
